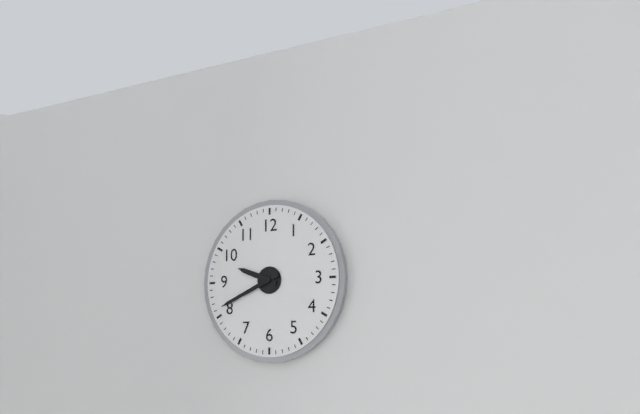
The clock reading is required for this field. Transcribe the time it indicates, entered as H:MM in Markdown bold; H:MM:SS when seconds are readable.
**9:41**
